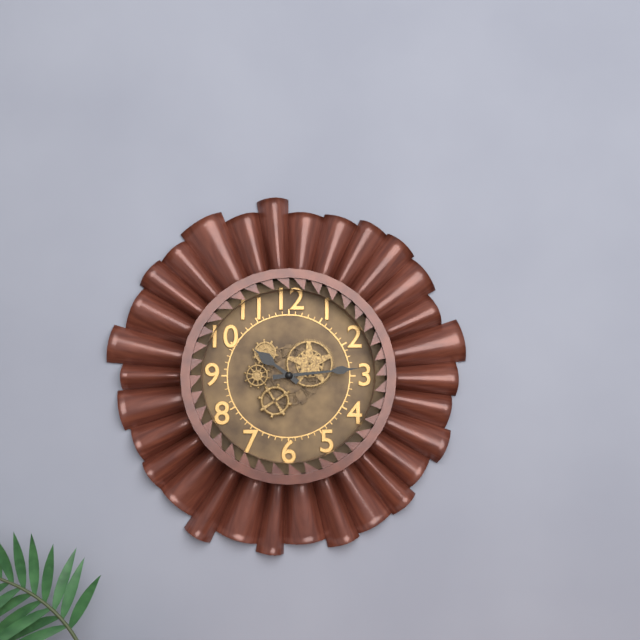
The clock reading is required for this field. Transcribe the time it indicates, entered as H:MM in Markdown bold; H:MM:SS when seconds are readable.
**10:14**
